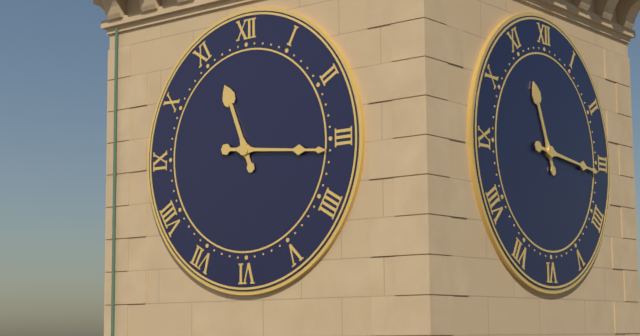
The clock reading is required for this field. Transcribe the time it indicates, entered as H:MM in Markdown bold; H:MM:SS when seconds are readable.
**11:16**
